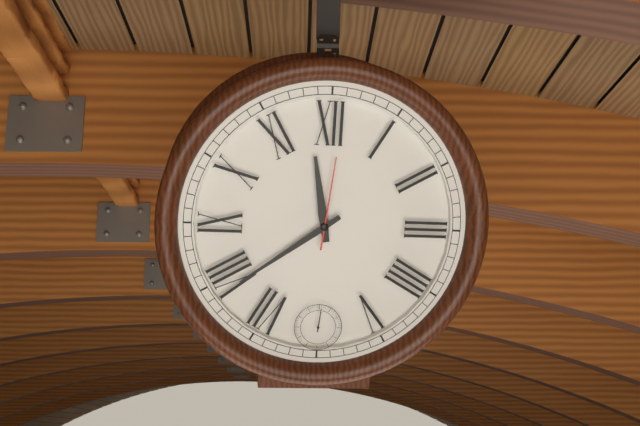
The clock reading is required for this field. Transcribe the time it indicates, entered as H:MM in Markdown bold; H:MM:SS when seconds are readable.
**11:39:01**
